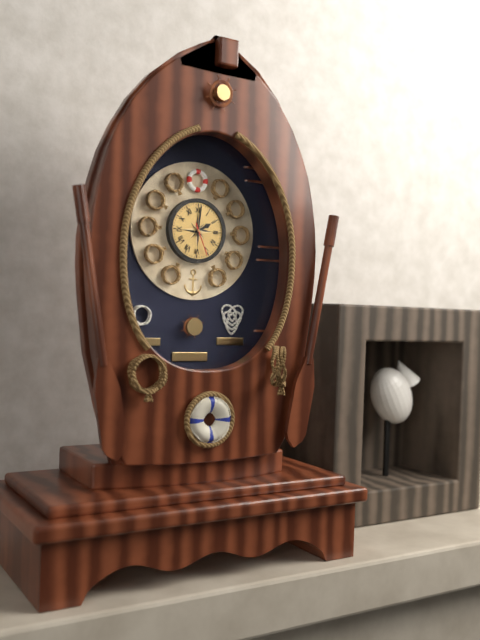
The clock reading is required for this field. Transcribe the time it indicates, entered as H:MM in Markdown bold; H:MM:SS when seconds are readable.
**2:01**
